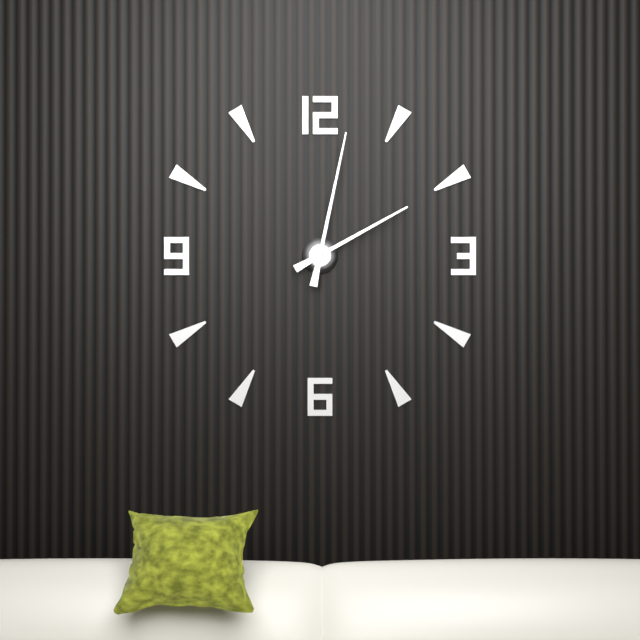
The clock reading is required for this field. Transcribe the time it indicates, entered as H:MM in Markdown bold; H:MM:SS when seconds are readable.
**2:02**
